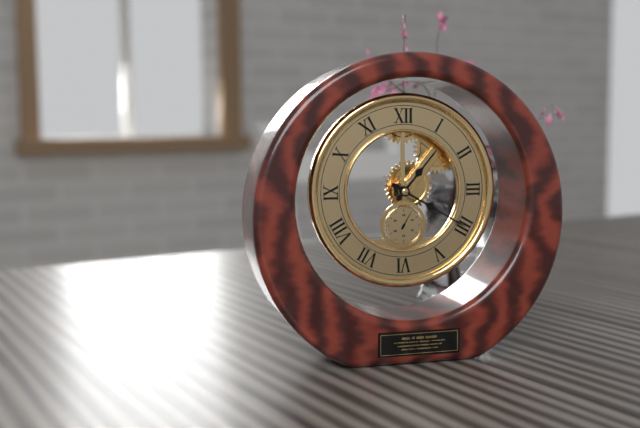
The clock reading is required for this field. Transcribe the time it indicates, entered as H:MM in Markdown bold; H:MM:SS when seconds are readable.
**1:20**
